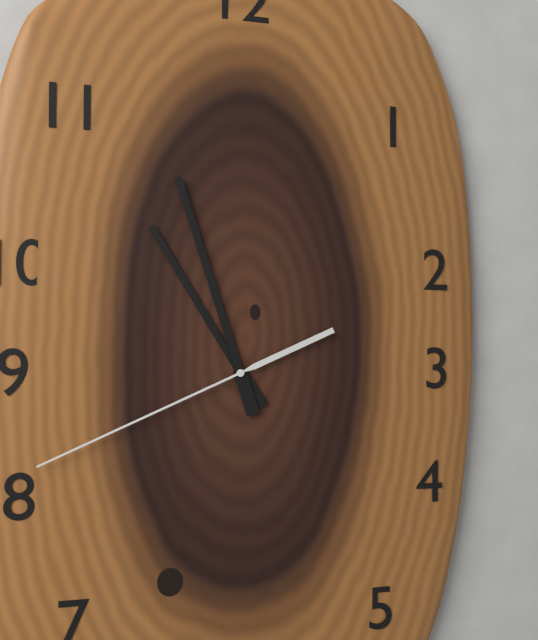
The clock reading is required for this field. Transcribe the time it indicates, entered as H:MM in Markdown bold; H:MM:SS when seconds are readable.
**10:57:41**
